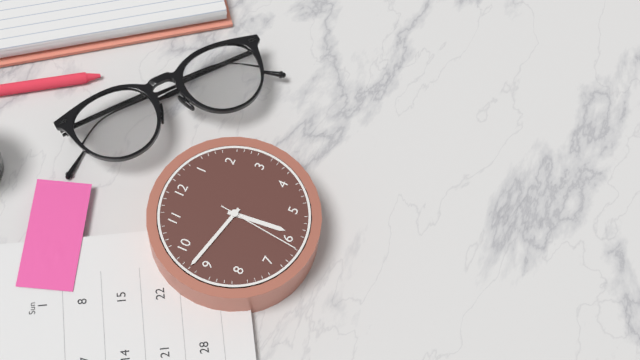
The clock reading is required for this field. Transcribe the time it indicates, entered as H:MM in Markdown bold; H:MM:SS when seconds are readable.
**5:47:31**
